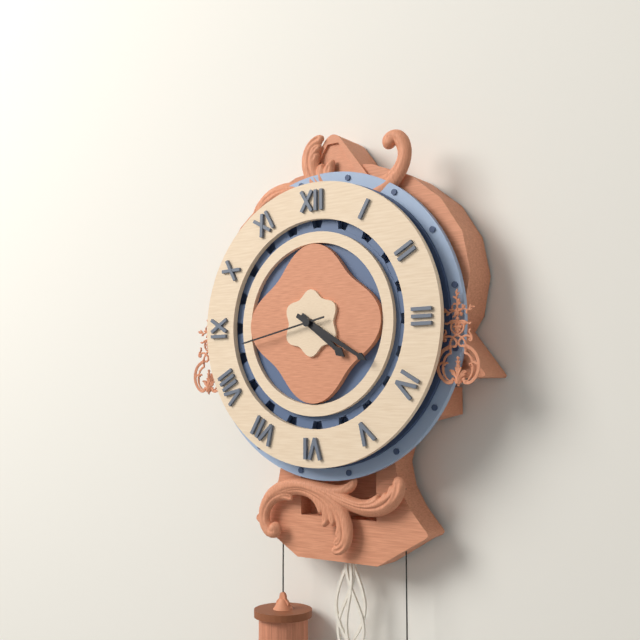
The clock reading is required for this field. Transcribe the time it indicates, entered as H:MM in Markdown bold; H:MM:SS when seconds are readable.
**4:20:43**
